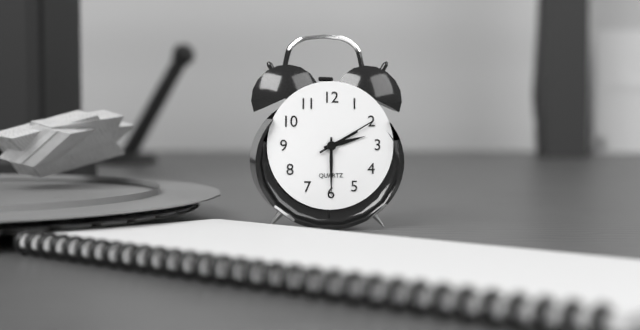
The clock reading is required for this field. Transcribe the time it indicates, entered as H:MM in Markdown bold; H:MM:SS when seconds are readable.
**2:30:10**
